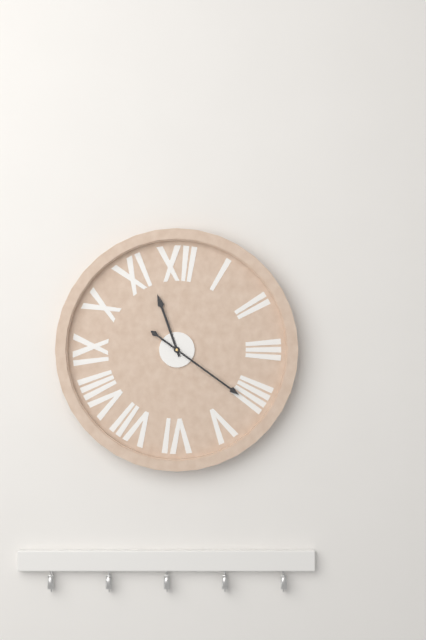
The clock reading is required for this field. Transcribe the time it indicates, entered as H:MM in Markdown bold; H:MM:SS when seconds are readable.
**11:21**
